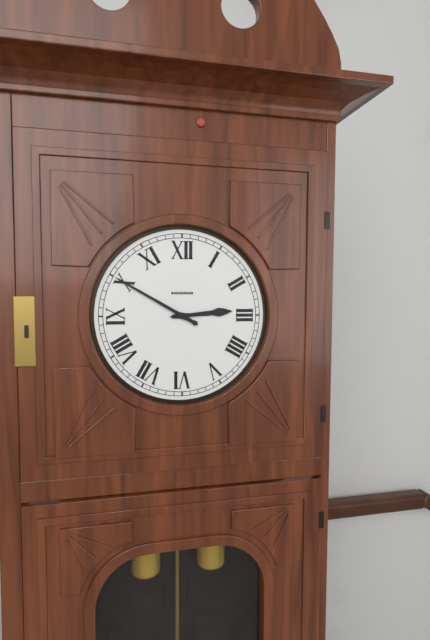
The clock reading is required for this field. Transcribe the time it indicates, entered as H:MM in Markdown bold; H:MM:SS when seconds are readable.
**2:50**
